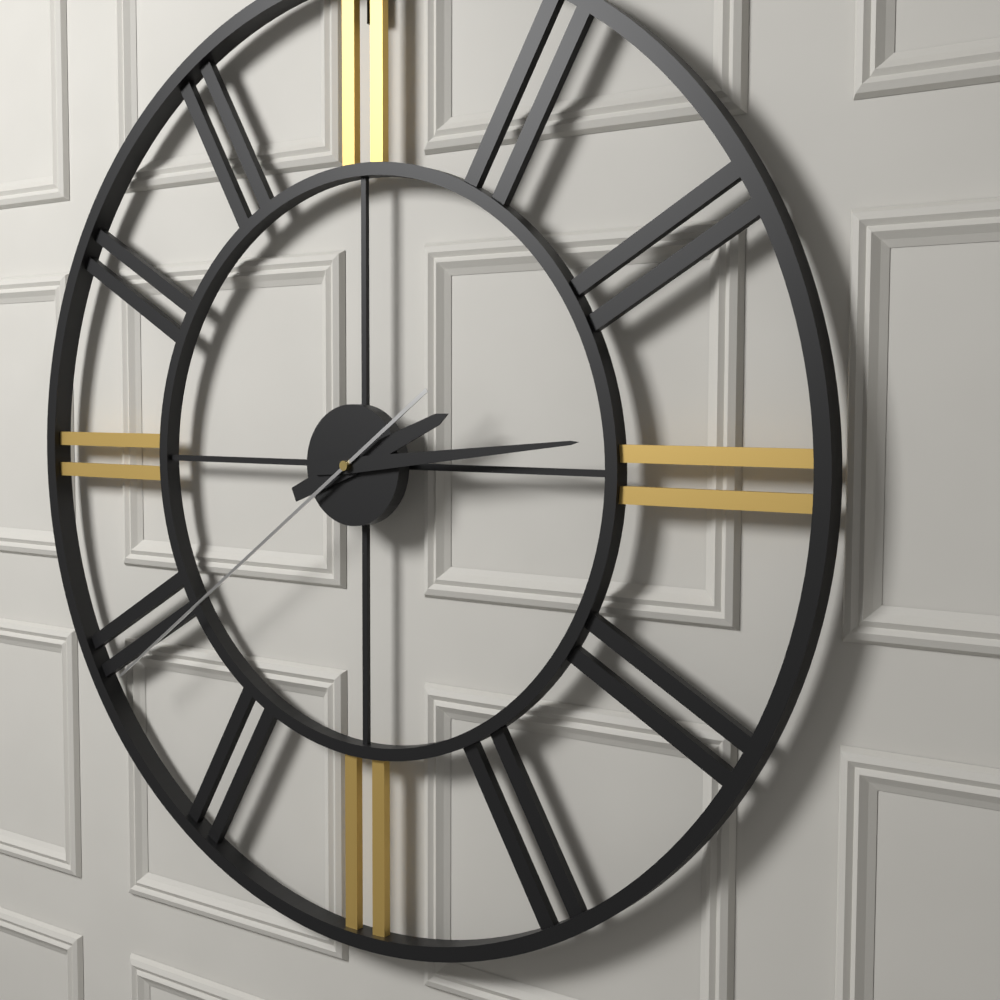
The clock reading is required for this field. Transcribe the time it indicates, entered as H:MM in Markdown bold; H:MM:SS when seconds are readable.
**2:14:39**
